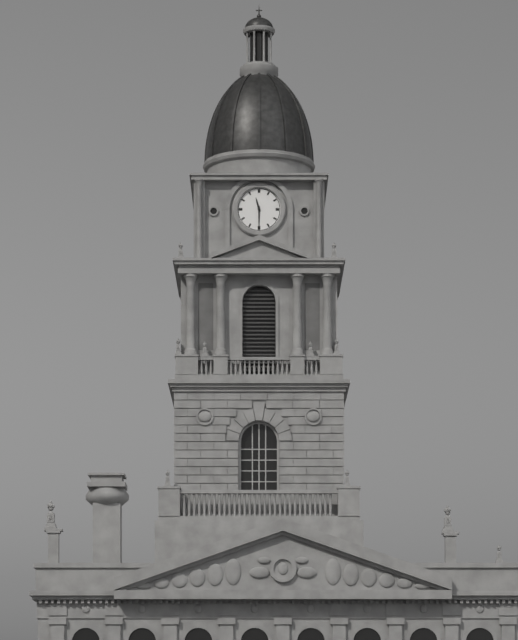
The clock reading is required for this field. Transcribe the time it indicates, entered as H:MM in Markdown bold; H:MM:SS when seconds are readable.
**11:30**
